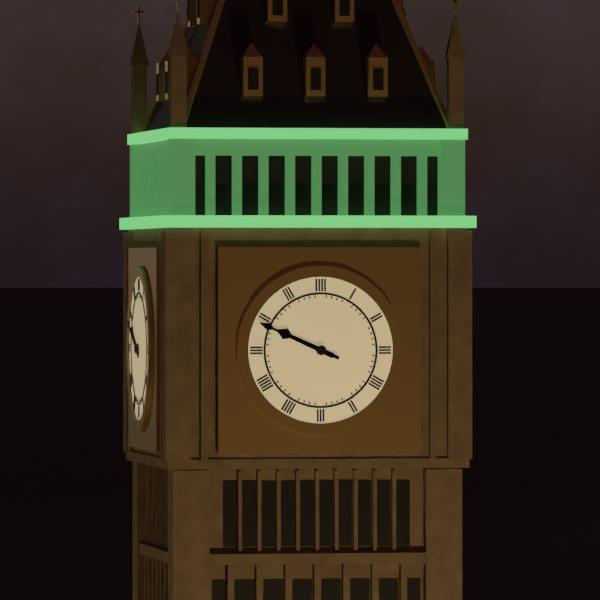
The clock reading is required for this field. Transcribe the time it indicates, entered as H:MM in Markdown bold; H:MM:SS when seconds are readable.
**9:49**
